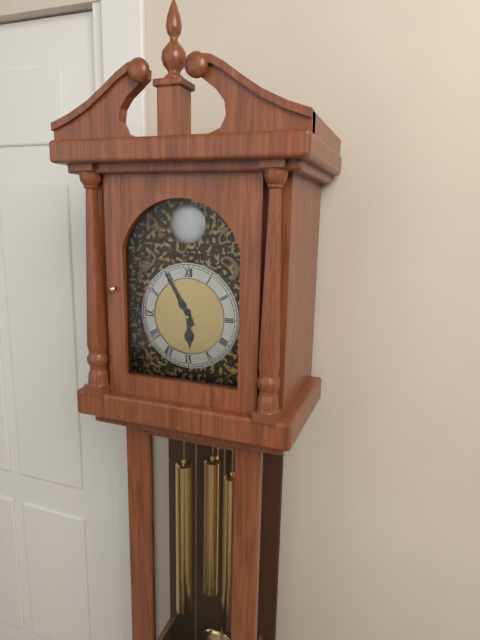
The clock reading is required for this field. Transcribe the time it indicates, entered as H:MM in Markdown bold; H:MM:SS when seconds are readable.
**5:55**
